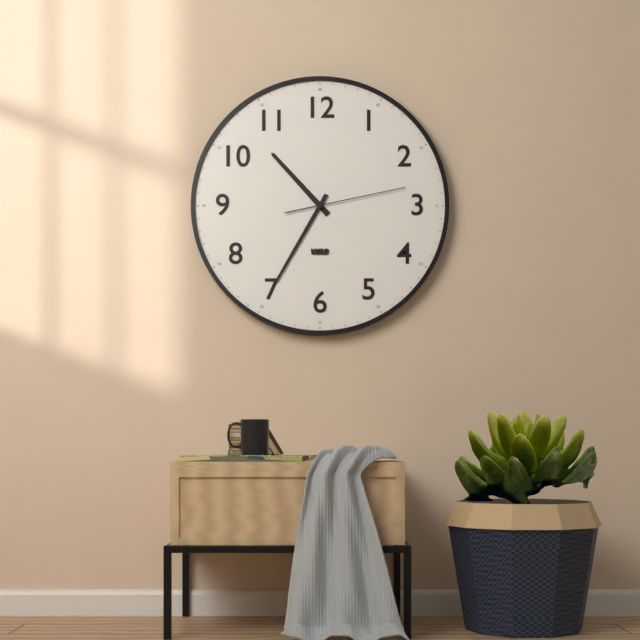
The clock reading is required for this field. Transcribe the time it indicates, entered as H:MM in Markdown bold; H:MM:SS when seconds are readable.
**10:35:13**
